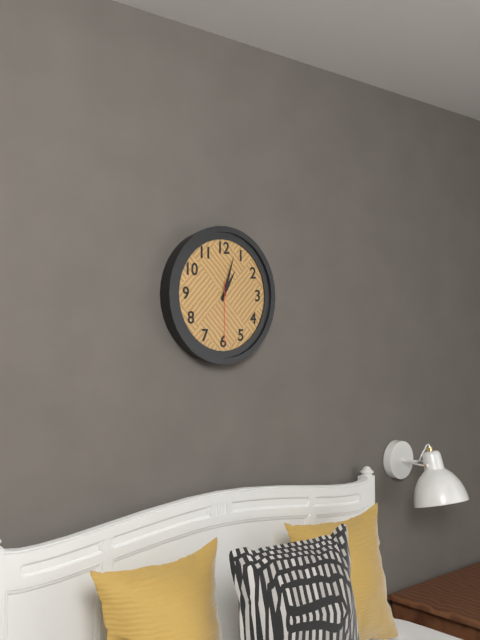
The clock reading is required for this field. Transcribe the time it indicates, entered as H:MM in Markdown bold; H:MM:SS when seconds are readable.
**1:03:30**
